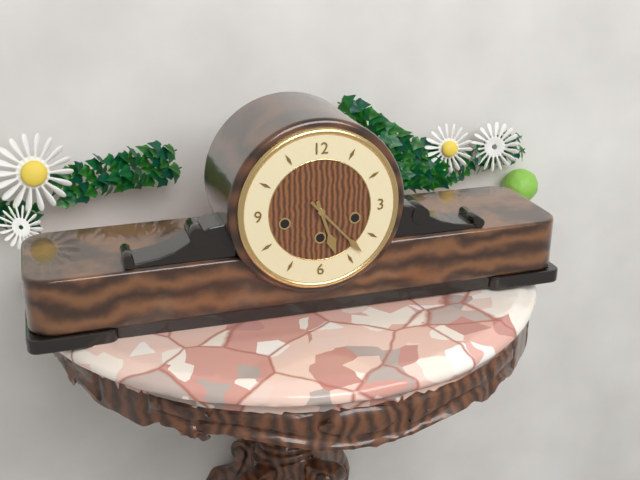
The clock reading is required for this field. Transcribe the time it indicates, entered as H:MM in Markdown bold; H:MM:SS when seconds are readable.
**5:23**
